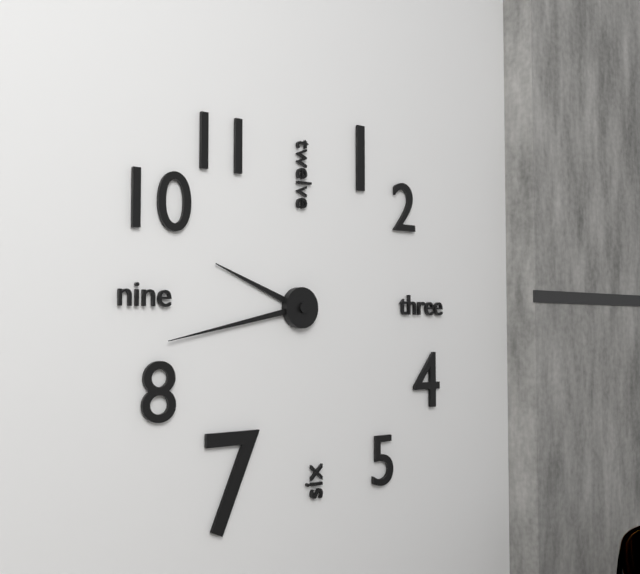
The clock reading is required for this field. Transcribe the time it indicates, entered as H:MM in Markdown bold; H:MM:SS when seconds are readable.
**9:43**
